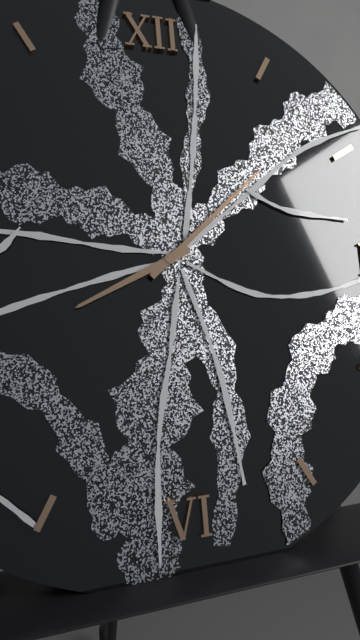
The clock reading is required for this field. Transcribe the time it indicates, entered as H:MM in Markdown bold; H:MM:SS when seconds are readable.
**8:08**
